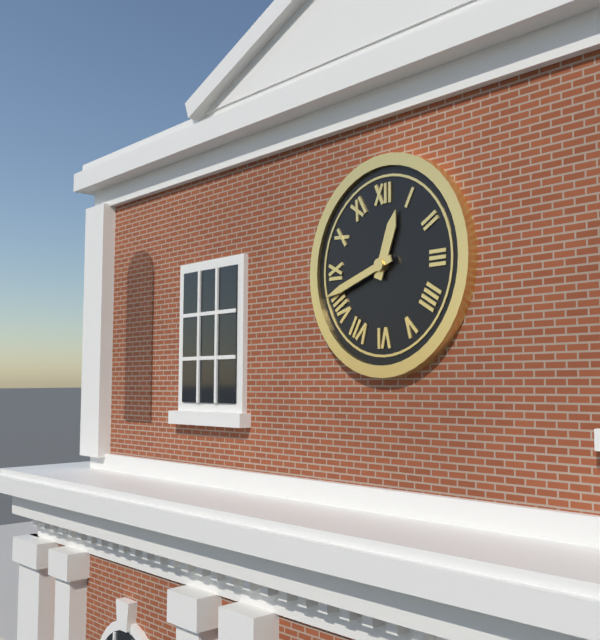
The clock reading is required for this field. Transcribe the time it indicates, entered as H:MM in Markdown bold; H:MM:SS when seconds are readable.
**12:42**
